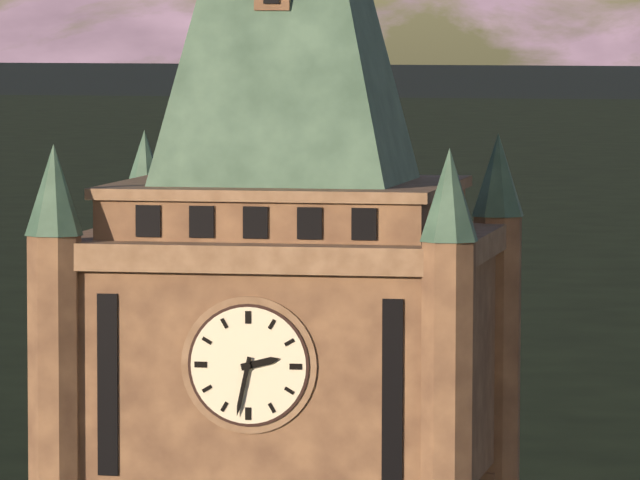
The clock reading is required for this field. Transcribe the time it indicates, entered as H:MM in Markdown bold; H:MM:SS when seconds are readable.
**2:32**
